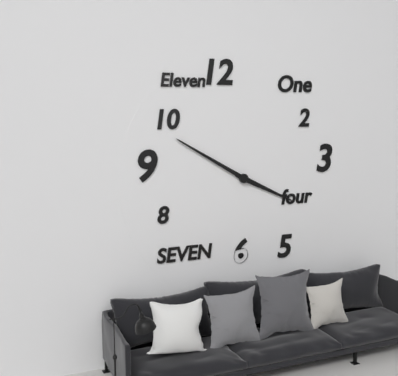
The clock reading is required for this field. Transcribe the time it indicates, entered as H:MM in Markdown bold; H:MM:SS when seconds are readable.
**3:50**
